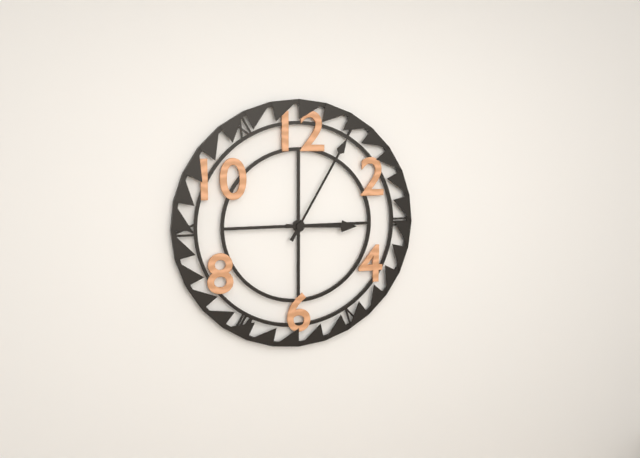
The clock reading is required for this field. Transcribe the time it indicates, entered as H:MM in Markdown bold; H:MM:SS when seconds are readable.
**3:05**
